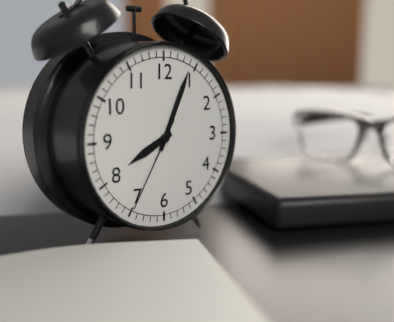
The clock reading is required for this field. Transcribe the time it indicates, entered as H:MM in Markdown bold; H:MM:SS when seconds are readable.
**8:04:35**
